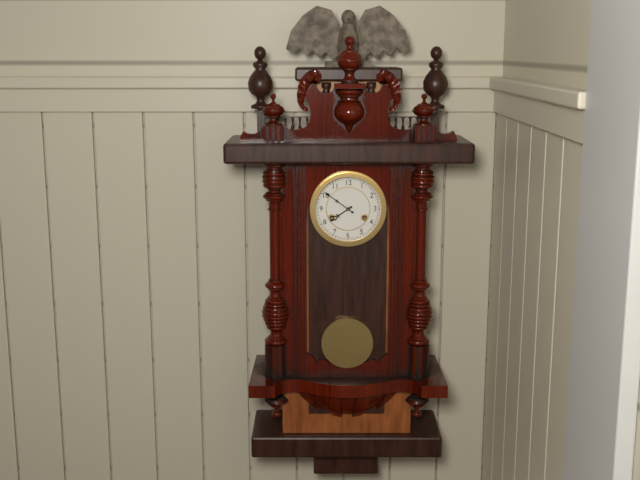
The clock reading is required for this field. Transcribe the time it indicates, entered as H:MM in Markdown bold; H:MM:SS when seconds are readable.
**7:51**
